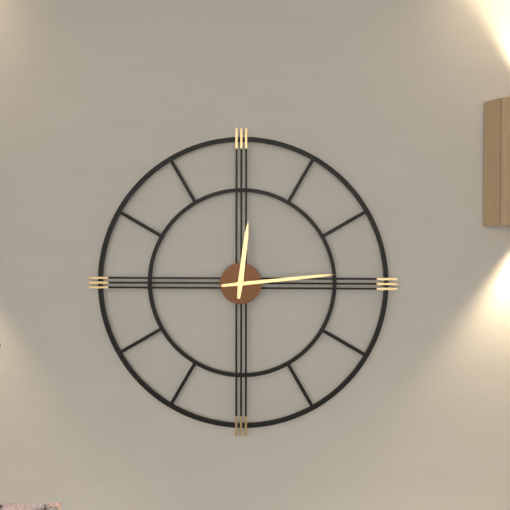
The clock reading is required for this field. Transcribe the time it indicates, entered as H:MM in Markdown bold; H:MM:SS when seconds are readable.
**12:14**
